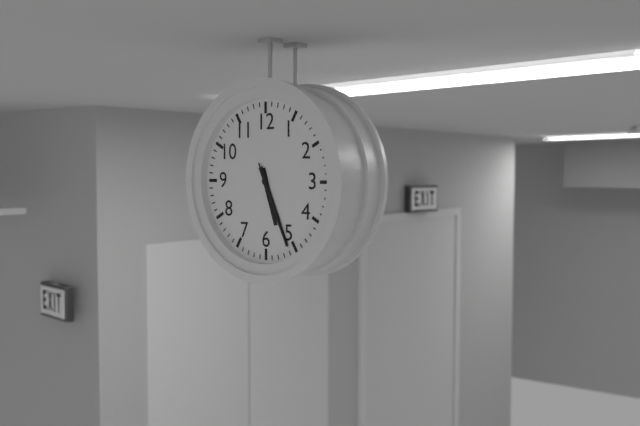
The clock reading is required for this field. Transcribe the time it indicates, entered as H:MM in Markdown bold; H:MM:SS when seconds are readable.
**5:26:26**
